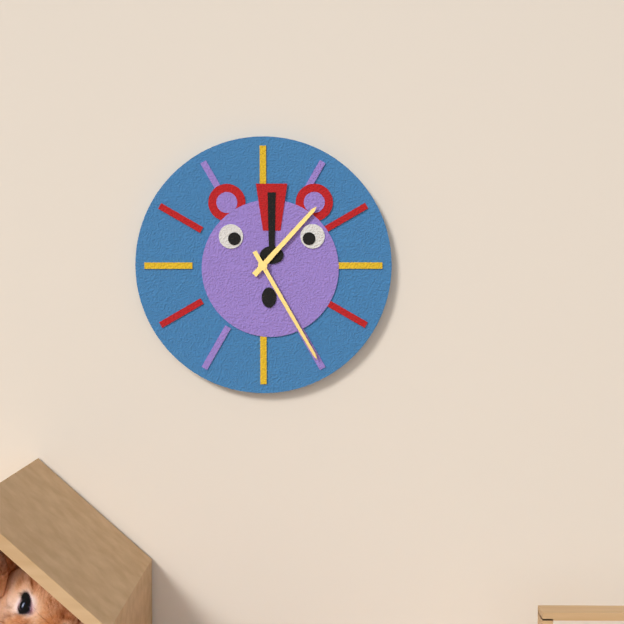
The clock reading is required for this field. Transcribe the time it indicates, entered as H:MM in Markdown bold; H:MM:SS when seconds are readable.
**1:25**
